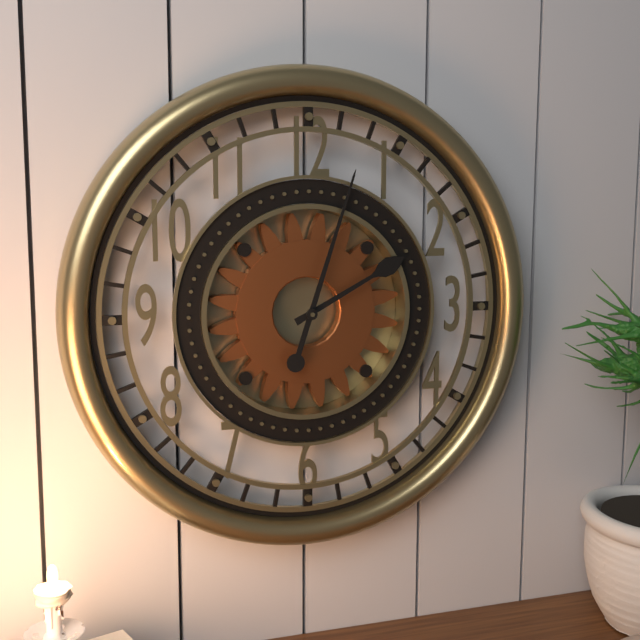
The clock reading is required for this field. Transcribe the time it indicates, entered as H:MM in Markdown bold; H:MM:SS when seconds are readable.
**2:03**
